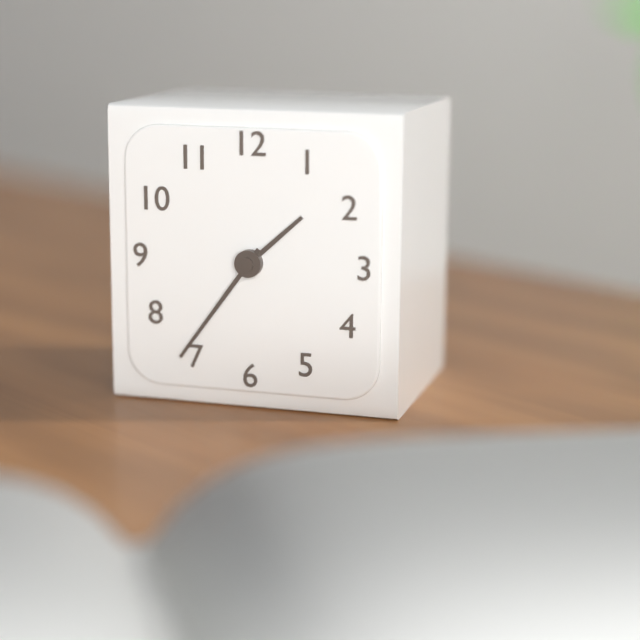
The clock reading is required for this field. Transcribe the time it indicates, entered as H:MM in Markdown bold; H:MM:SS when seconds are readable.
**1:36**
